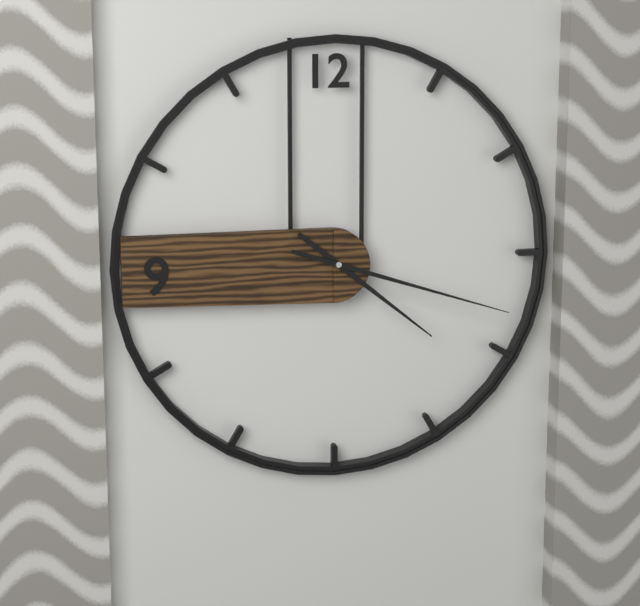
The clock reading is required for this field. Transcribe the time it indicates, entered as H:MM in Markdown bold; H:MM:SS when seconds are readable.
**4:18**
